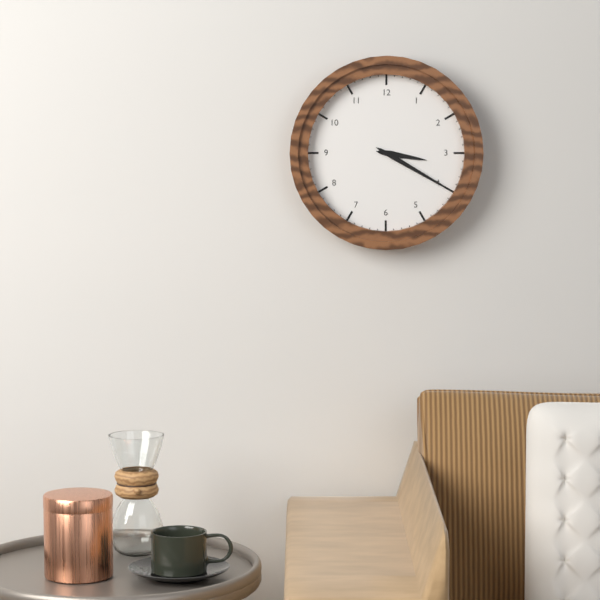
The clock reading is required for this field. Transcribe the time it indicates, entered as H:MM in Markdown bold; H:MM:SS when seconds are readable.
**3:20**
